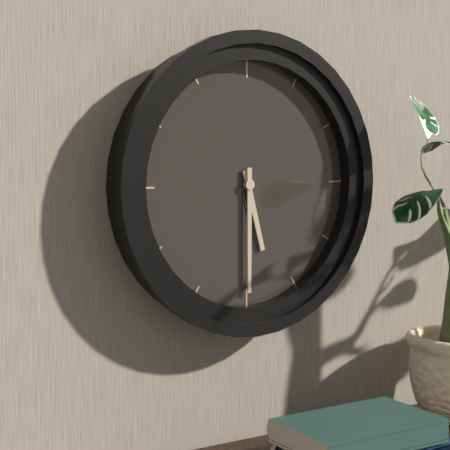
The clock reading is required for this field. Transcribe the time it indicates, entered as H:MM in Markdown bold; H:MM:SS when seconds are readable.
**5:30**
